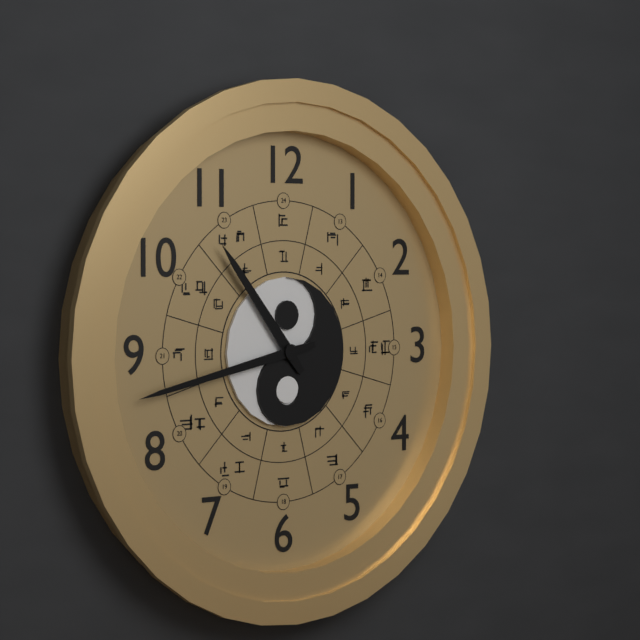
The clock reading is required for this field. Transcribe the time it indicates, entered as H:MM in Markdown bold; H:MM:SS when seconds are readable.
**10:43**
